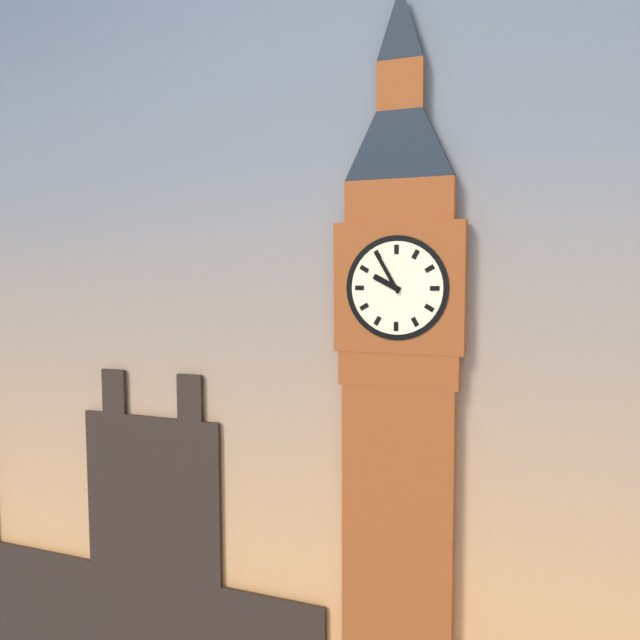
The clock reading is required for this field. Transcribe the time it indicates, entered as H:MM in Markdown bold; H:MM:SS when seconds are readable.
**9:55**
